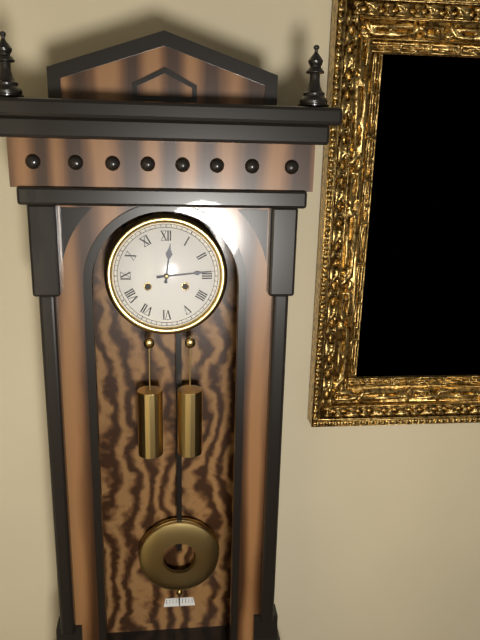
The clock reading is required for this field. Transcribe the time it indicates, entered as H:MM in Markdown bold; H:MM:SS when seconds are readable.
**12:14**
